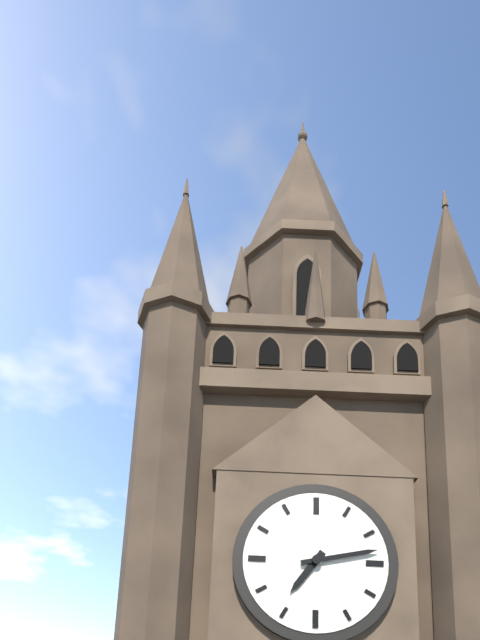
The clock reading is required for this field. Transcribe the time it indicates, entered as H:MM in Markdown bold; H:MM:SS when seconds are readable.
**7:13**
